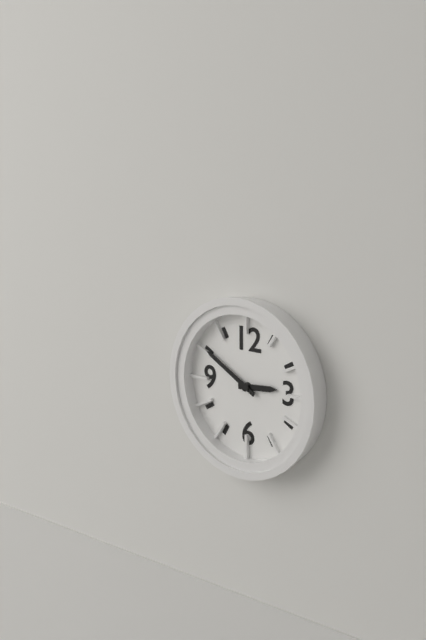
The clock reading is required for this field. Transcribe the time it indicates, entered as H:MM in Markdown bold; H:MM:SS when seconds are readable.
**2:50**
